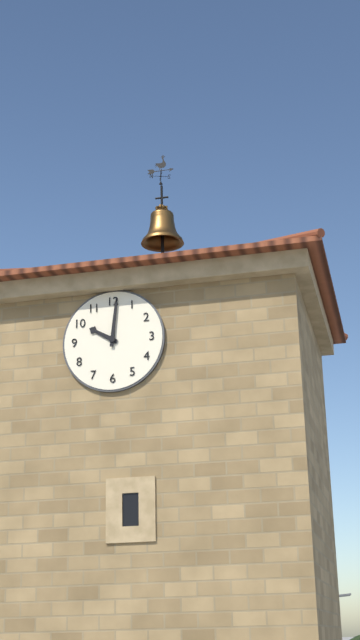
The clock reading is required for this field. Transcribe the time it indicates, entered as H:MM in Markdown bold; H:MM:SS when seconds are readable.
**10:01**
